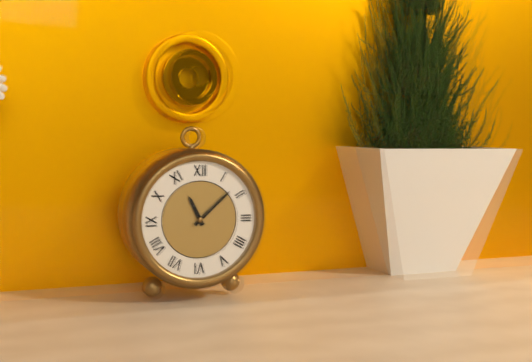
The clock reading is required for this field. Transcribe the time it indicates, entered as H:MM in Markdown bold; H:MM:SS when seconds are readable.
**11:08**
